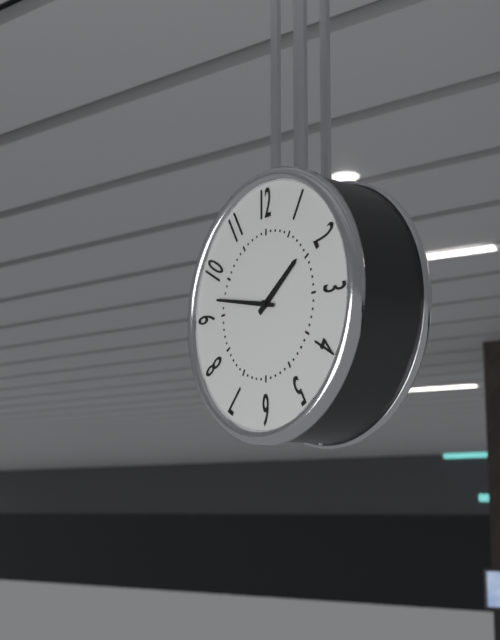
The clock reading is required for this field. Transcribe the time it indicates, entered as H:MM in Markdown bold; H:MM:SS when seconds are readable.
**1:47**
